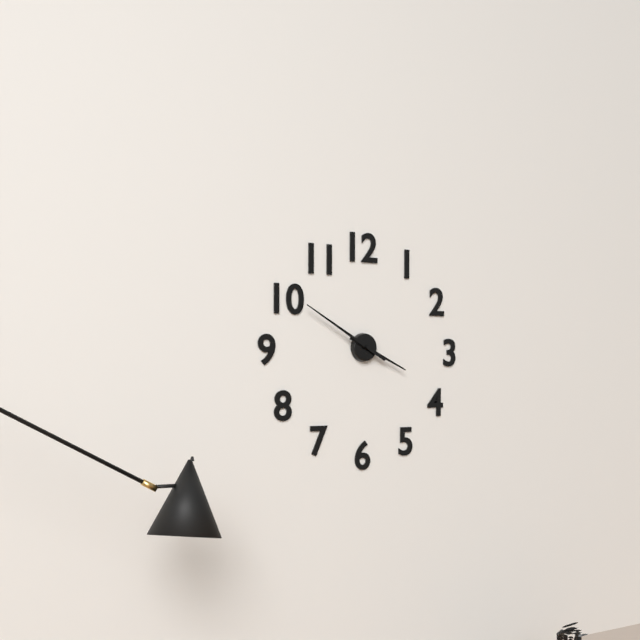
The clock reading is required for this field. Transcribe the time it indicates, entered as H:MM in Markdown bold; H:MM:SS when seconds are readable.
**3:50**
